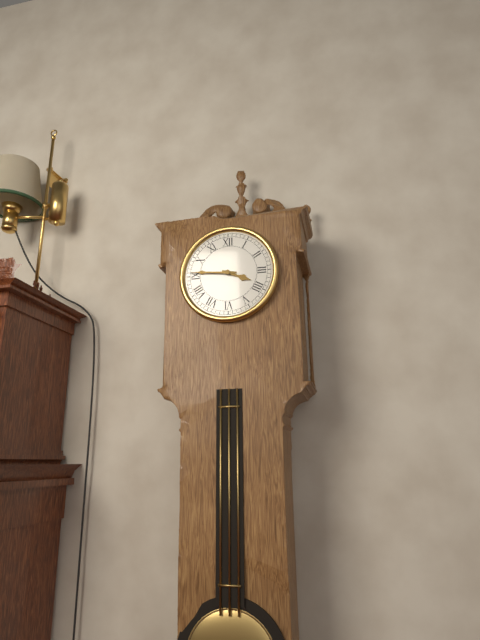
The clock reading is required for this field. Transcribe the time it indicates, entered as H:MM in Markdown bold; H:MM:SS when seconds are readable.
**3:46**
